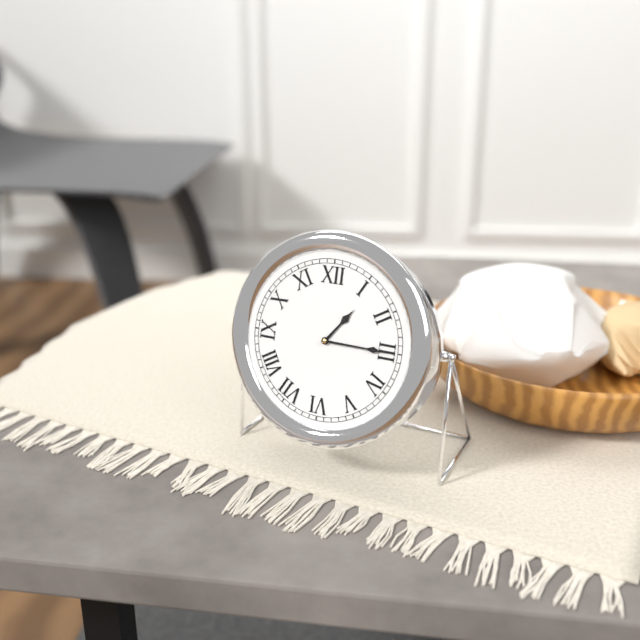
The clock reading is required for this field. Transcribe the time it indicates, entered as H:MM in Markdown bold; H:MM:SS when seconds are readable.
**1:15**
